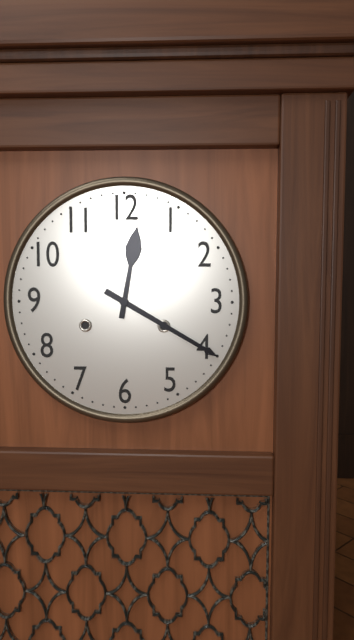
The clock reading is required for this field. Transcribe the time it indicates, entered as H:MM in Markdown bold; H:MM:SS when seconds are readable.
**12:20**
